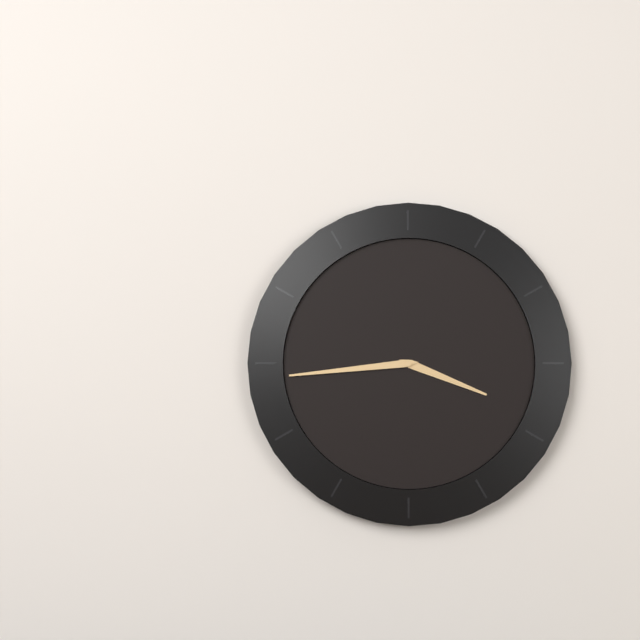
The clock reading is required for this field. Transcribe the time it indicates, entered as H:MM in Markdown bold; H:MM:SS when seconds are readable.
**3:44**
